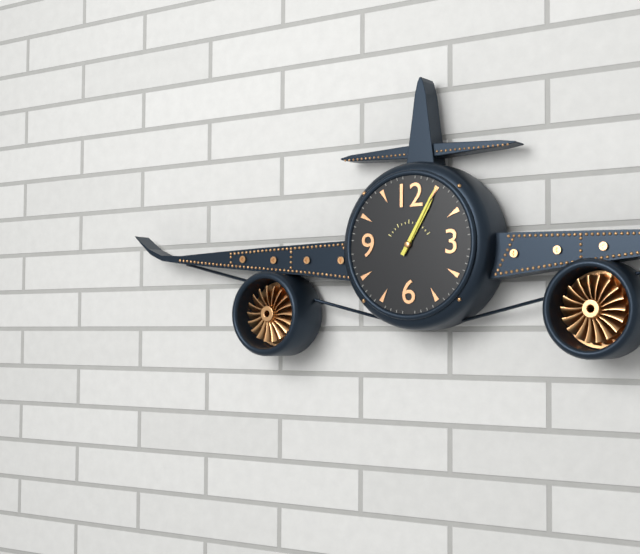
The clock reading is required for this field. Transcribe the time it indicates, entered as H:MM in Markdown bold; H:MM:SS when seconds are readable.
**1:05**
